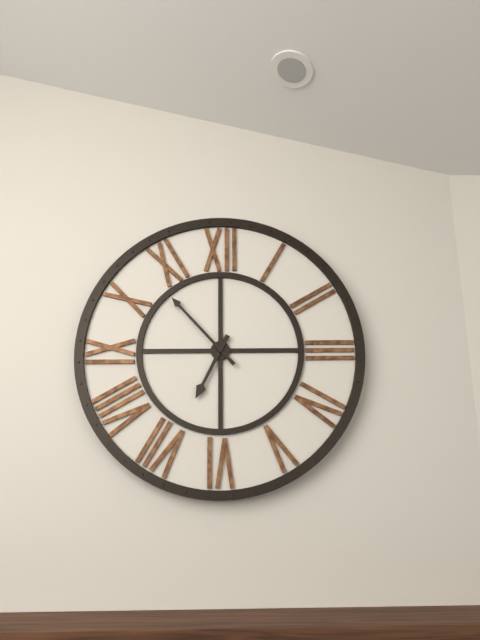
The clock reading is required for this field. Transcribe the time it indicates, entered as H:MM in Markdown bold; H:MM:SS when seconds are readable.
**6:53**
